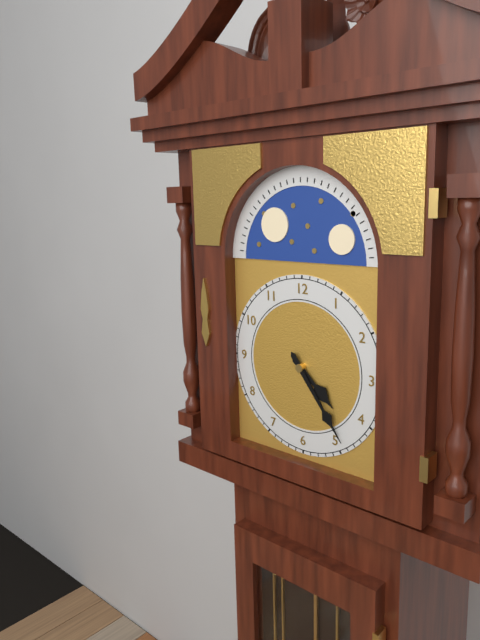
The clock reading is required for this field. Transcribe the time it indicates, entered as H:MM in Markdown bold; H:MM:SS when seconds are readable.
**4:24**
